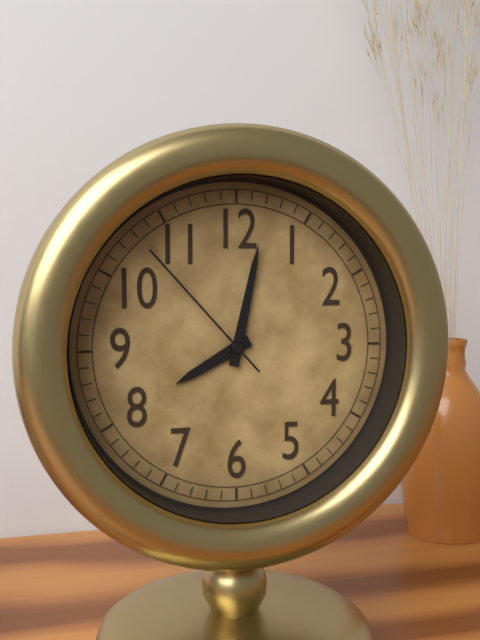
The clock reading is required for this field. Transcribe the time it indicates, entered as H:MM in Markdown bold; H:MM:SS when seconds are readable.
**8:02:53**
